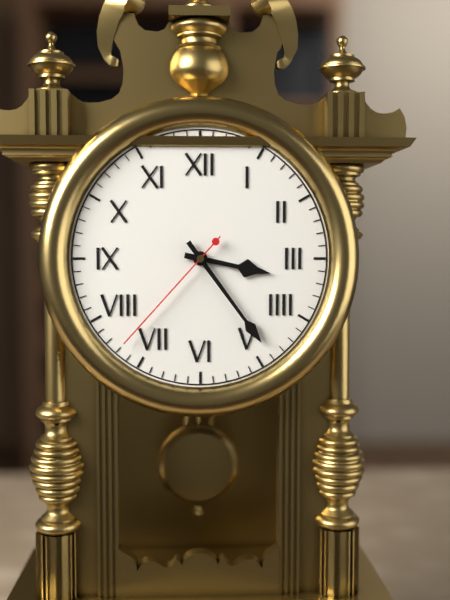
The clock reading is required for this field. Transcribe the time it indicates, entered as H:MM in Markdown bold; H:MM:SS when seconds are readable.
**3:24:37**
